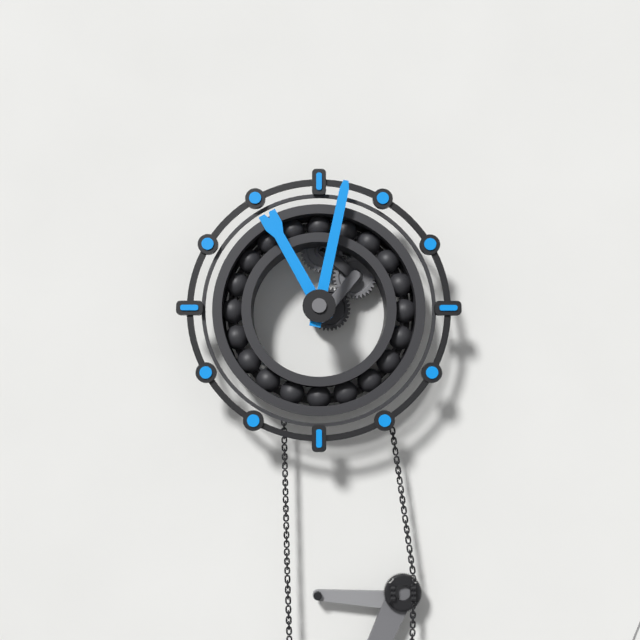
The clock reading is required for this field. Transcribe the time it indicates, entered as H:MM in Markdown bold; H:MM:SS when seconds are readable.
**11:02**
